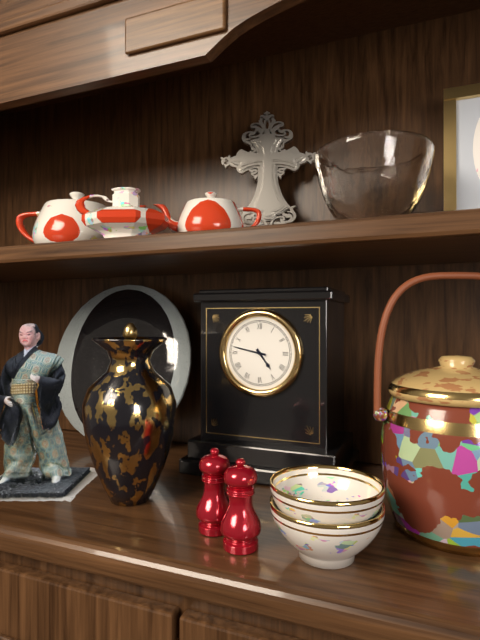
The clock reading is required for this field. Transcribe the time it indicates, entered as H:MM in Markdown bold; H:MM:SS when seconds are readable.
**4:47**
